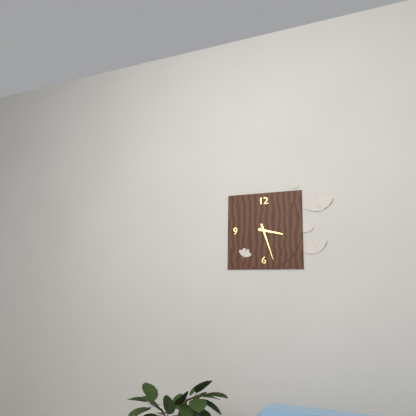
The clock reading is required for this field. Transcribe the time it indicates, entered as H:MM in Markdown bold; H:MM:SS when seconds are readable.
**3:27**
